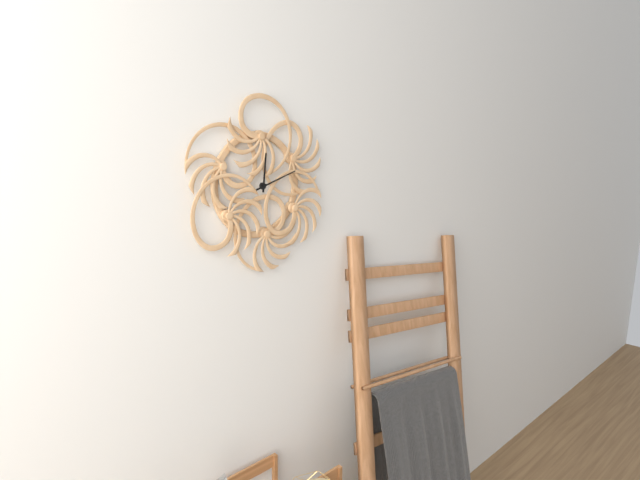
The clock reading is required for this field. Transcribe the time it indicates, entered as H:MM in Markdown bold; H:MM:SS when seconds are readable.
**12:12**
